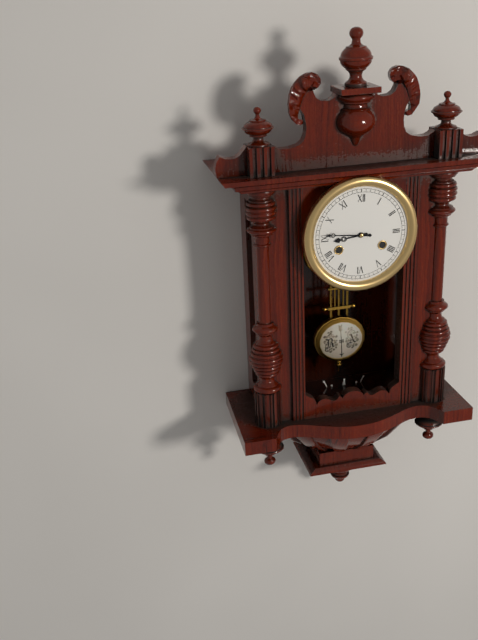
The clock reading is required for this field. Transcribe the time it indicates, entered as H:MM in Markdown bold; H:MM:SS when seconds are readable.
**8:46**
